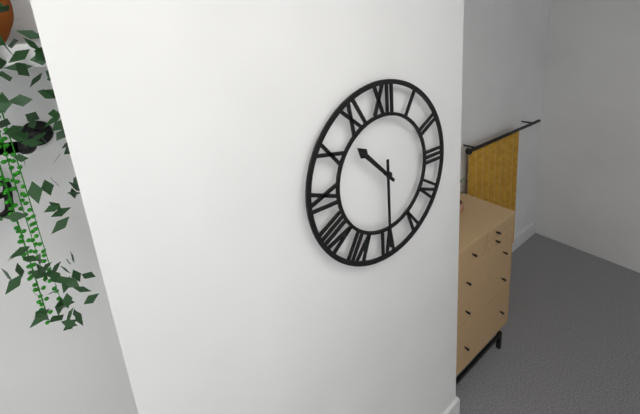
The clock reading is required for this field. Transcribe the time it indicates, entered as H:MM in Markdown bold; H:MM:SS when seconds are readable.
**10:30**
